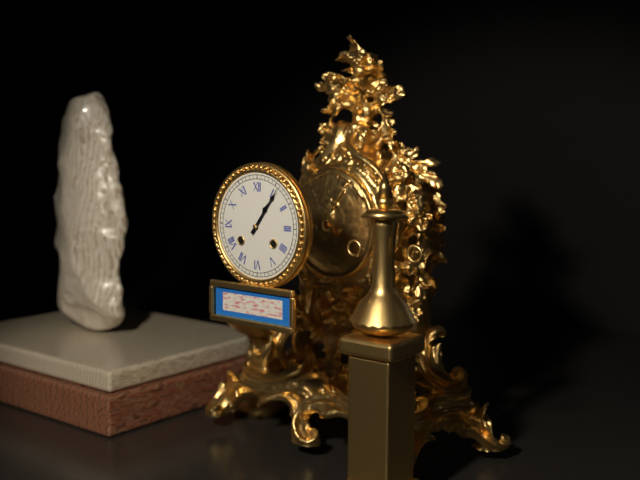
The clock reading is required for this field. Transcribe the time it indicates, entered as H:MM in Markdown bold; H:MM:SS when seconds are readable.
**1:06**
